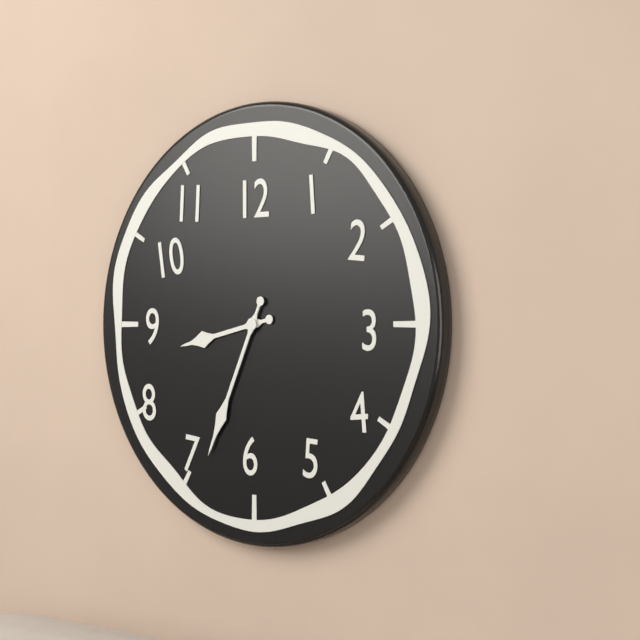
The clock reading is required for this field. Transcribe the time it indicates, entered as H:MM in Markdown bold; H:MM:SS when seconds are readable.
**8:34**
